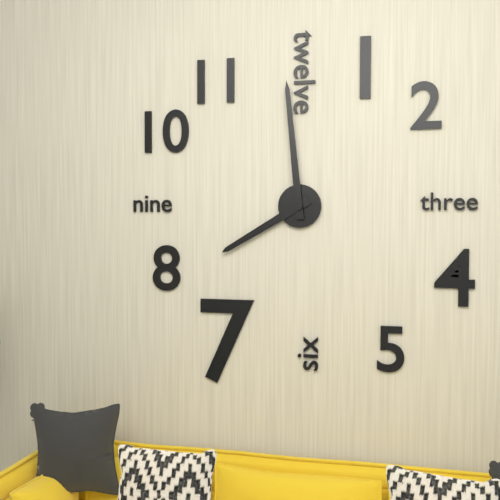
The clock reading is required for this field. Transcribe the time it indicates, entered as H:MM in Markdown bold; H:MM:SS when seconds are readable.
**7:59**
